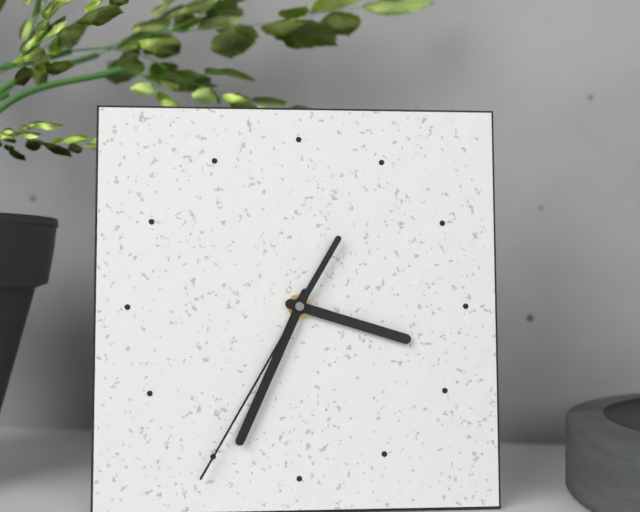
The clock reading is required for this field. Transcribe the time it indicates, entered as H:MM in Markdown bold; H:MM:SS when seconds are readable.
**3:34:35**
